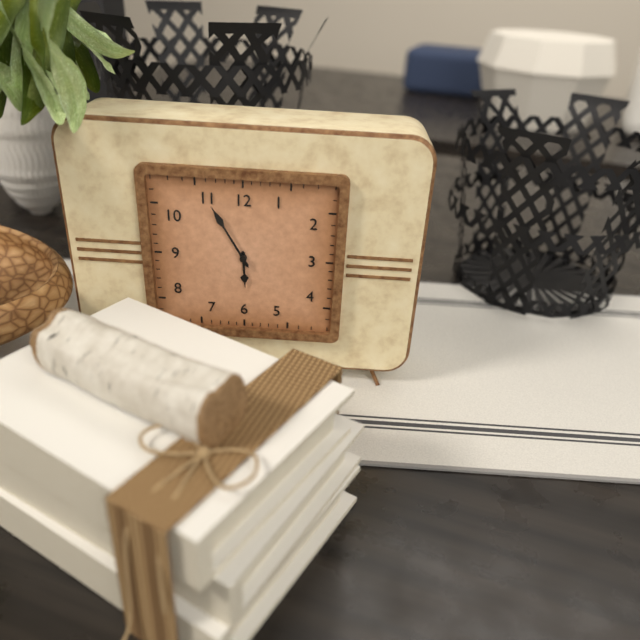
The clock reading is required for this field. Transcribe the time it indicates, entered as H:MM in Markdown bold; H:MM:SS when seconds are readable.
**5:55**
